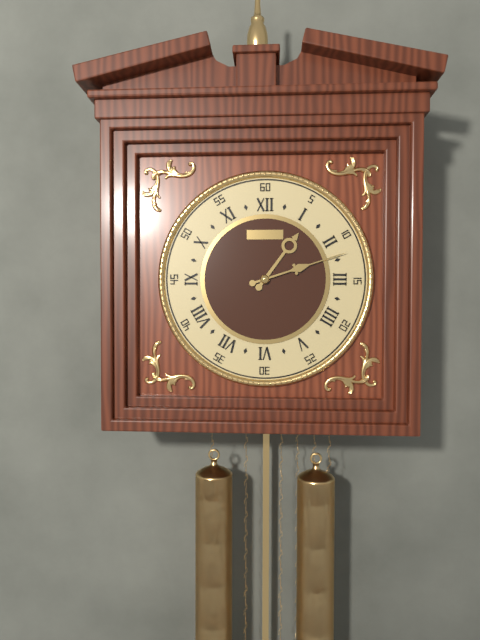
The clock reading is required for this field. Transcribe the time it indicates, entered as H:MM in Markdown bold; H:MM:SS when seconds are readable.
**1:12**
